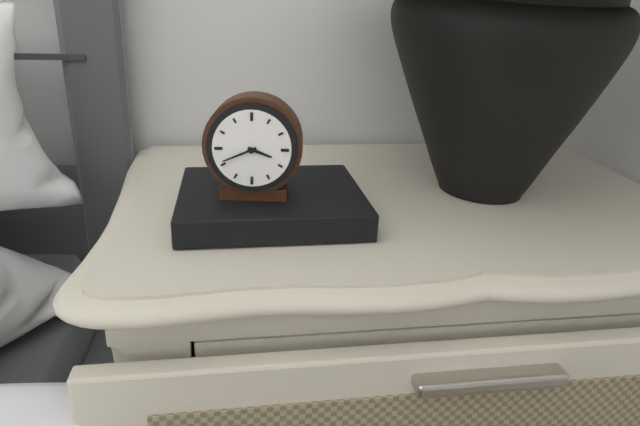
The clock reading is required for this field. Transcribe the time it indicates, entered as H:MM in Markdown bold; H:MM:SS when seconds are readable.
**3:41**
